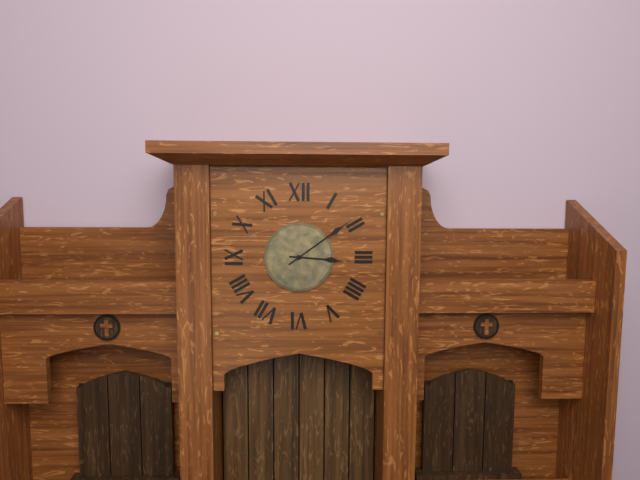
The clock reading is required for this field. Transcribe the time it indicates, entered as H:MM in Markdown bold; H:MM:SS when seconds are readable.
**3:09**
